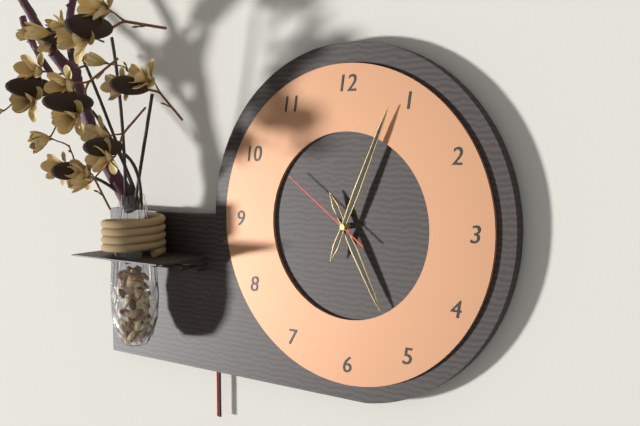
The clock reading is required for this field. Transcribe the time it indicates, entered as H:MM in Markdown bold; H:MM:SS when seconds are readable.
**5:04:51**
